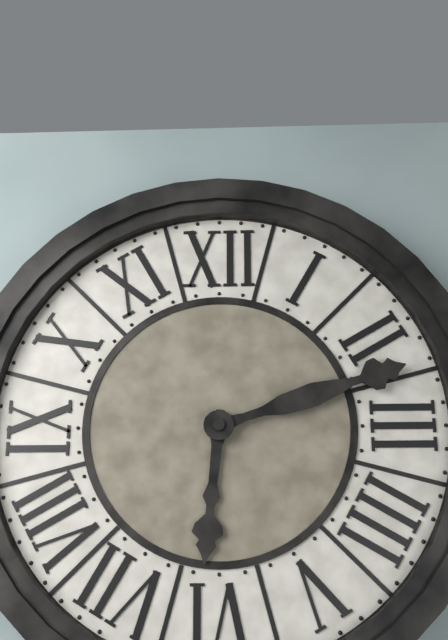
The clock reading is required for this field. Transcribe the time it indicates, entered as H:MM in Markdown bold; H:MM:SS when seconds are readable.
**6:12**
